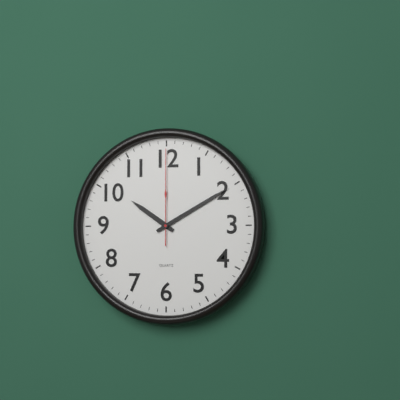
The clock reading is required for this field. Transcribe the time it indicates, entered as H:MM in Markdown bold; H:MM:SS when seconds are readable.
**10:10:00**
